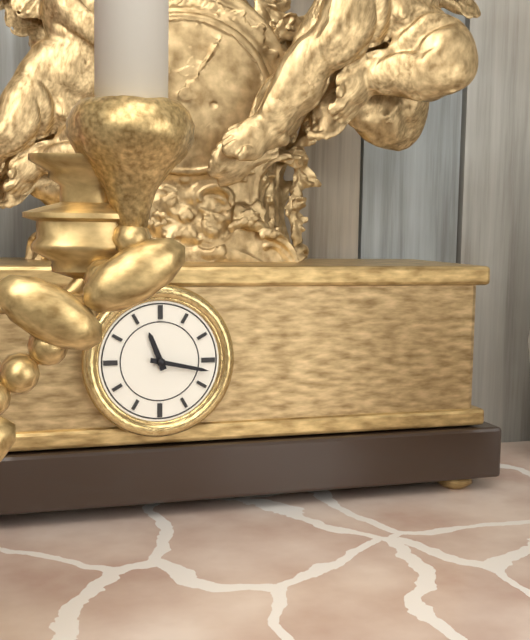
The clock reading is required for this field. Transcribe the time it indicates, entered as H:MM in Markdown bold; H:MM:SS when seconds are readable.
**11:17**
